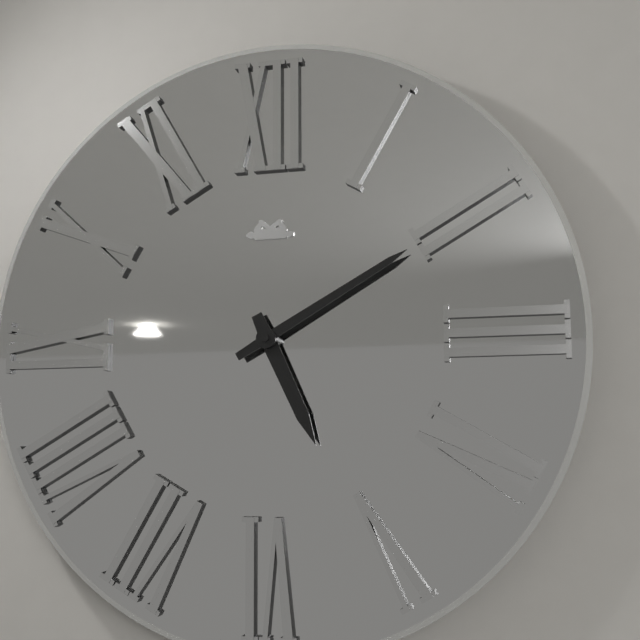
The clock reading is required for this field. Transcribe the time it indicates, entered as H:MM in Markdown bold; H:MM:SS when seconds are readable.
**5:10**
